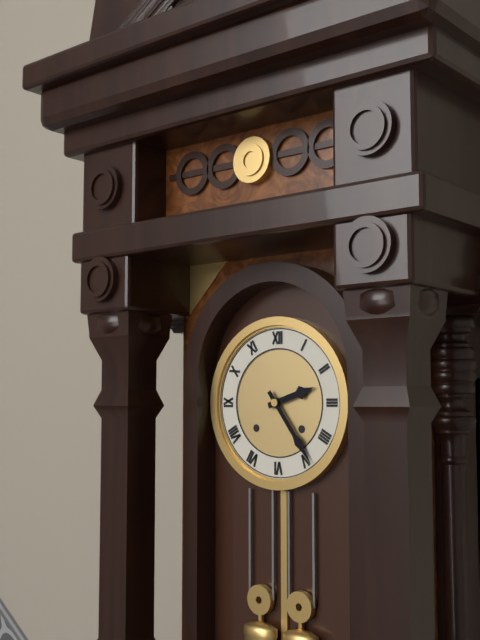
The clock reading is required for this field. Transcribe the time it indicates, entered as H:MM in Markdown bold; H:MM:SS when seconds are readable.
**2:24**
